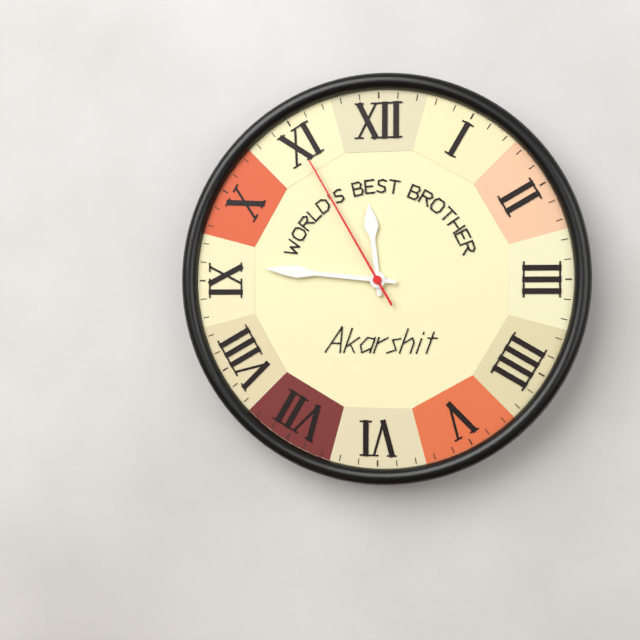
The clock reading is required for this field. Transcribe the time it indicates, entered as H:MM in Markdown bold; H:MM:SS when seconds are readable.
**11:46:55**
